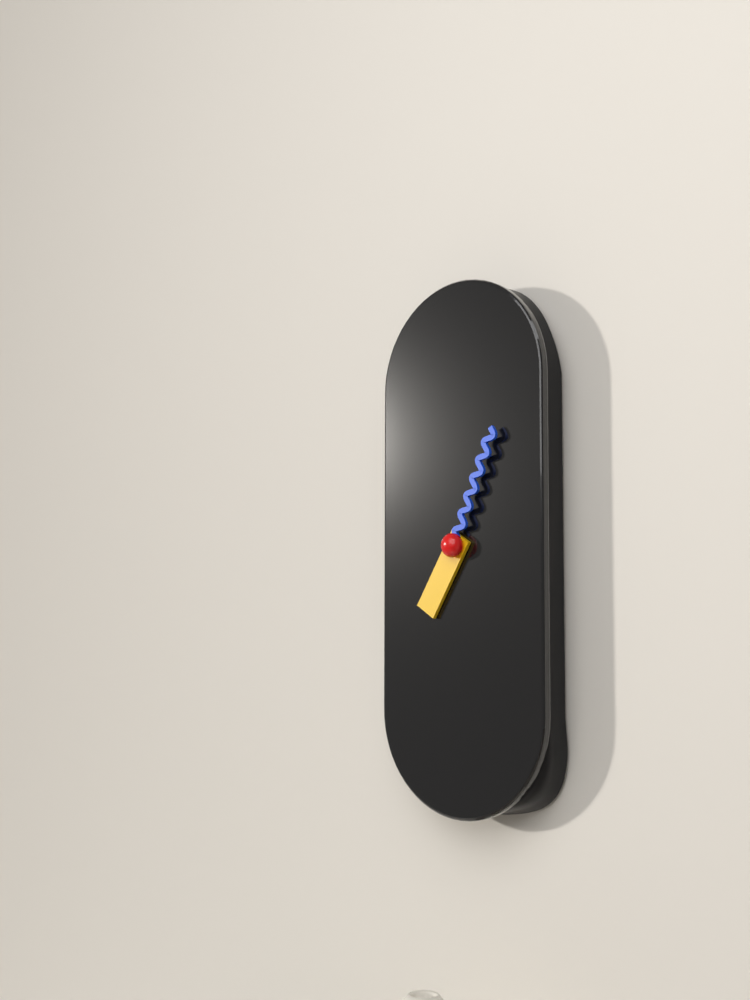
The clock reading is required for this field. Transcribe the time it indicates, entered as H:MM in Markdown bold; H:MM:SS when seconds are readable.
**7:04**
